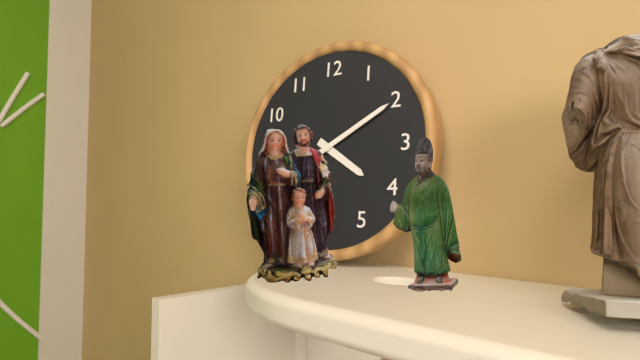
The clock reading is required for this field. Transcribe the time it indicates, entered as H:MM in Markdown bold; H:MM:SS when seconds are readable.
**4:10**
